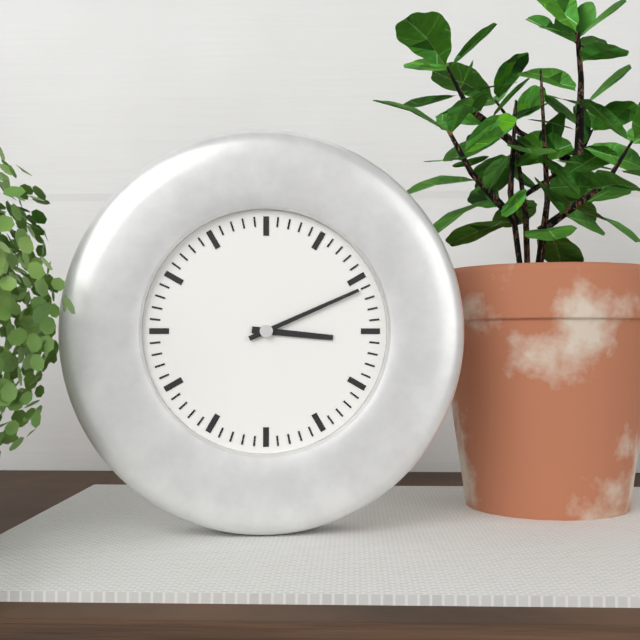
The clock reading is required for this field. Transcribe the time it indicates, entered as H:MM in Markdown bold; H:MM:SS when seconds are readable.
**3:11**
